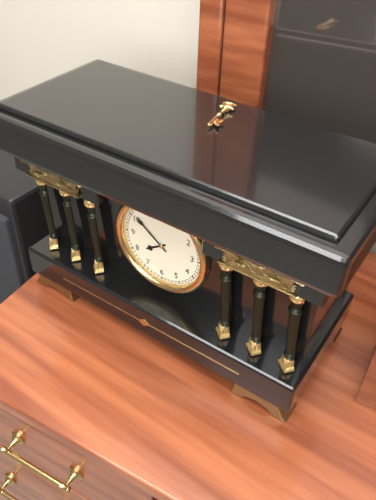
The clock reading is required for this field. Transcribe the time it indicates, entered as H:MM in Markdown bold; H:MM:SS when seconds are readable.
**7:51**
